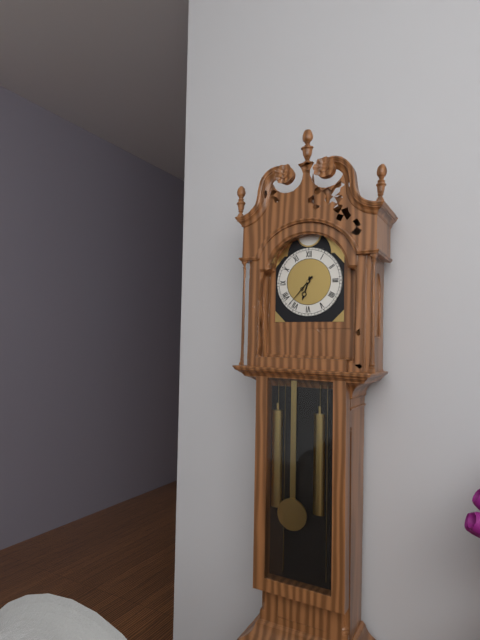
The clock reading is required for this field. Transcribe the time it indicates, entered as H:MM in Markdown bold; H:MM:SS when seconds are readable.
**6:37**
